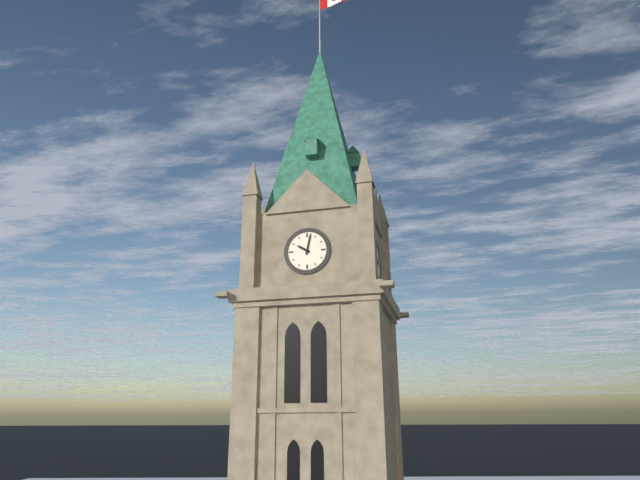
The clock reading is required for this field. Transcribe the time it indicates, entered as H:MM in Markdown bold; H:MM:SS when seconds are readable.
**10:02**
